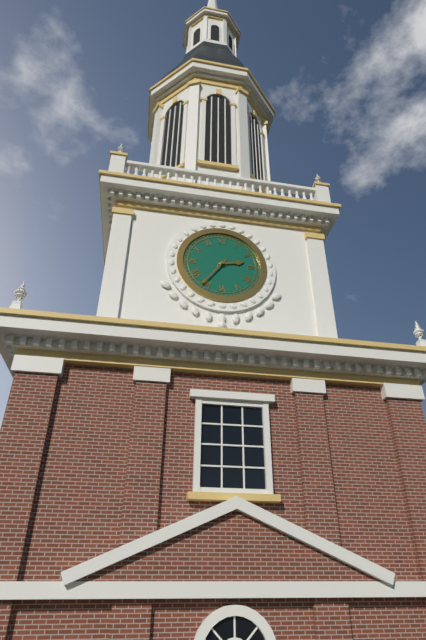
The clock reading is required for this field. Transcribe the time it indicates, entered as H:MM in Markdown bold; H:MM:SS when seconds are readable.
**2:36**
